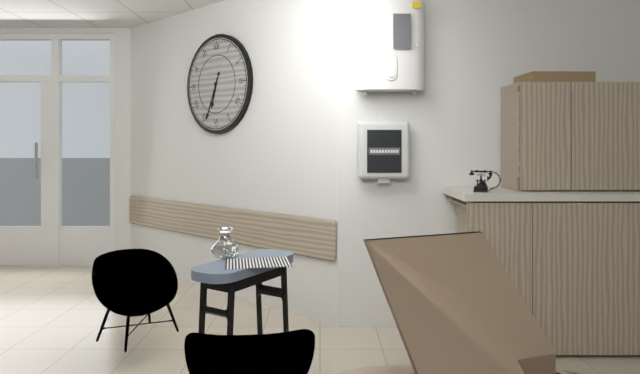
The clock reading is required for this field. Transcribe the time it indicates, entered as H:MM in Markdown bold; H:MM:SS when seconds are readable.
**6:34**
